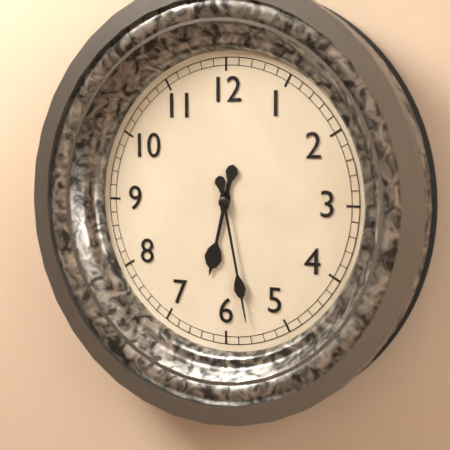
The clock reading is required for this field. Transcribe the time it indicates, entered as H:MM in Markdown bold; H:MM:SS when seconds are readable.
**6:28**
